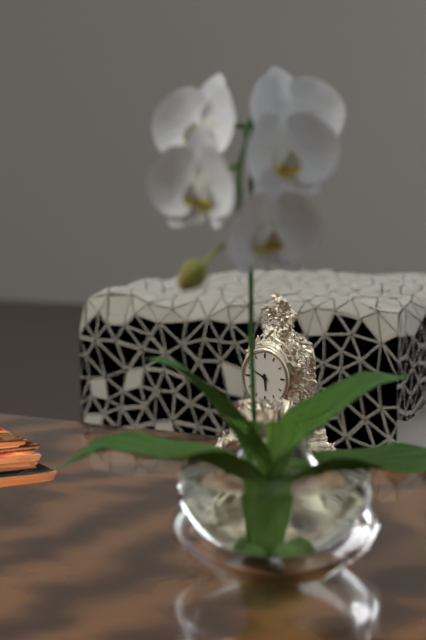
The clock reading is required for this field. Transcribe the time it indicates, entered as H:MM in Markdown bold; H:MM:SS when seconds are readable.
**5:49**
